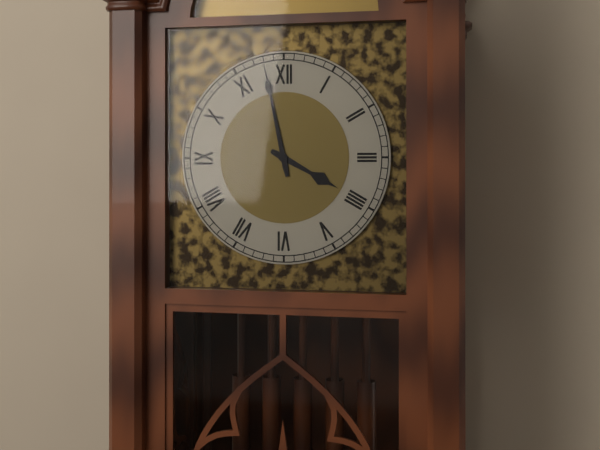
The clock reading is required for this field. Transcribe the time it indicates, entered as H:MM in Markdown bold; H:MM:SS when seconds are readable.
**3:58**
